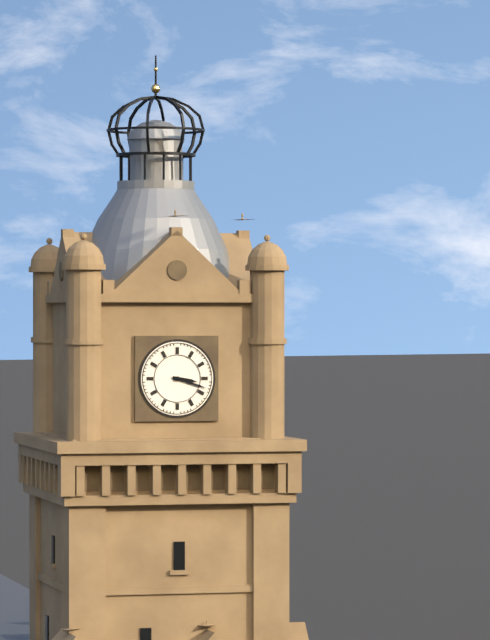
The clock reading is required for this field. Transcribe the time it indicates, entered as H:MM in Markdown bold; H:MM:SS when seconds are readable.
**3:18**
